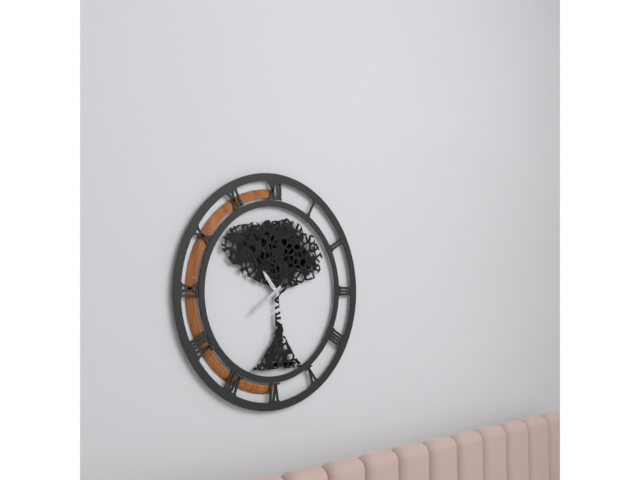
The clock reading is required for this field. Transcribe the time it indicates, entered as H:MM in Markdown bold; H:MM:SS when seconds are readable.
**10:39**
